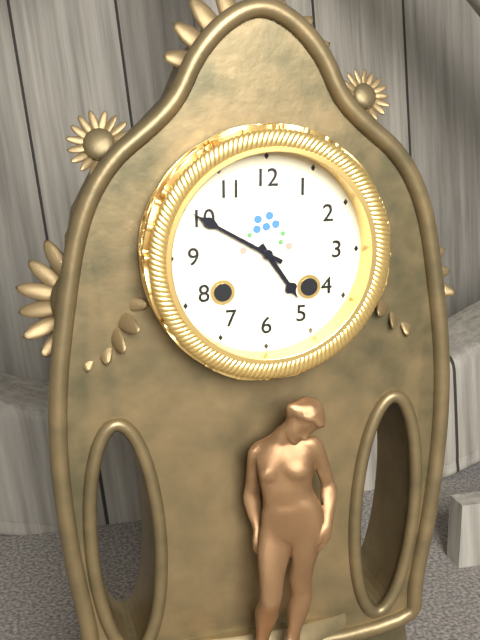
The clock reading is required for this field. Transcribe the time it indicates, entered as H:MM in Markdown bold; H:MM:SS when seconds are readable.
**4:50**
